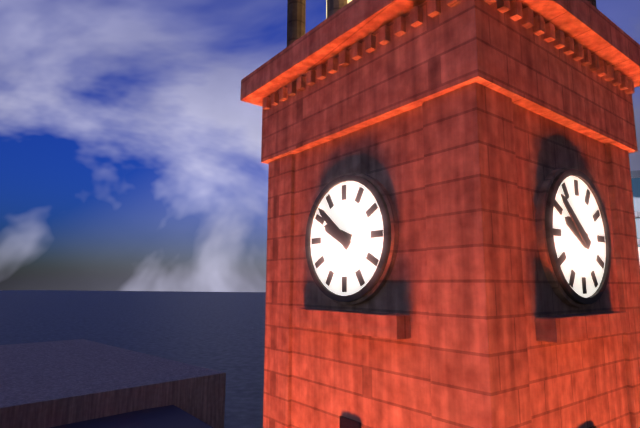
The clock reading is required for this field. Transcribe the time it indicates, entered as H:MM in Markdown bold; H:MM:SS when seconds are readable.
**9:52**
